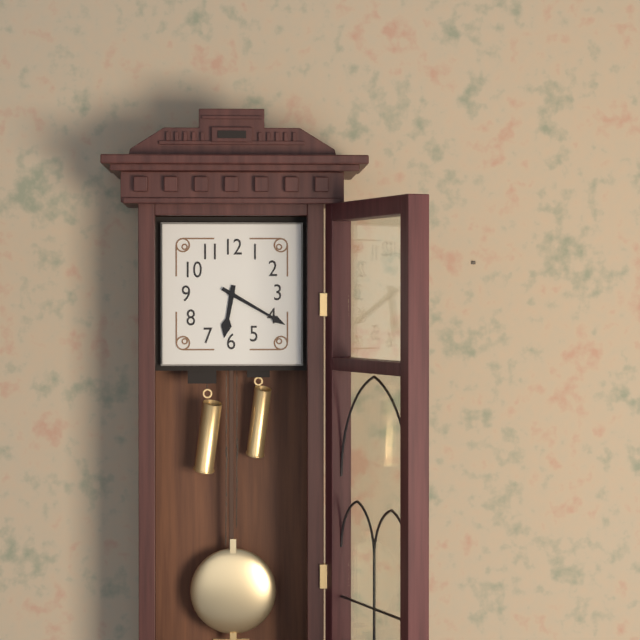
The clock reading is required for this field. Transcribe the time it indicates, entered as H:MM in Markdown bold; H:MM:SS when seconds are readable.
**6:20**
